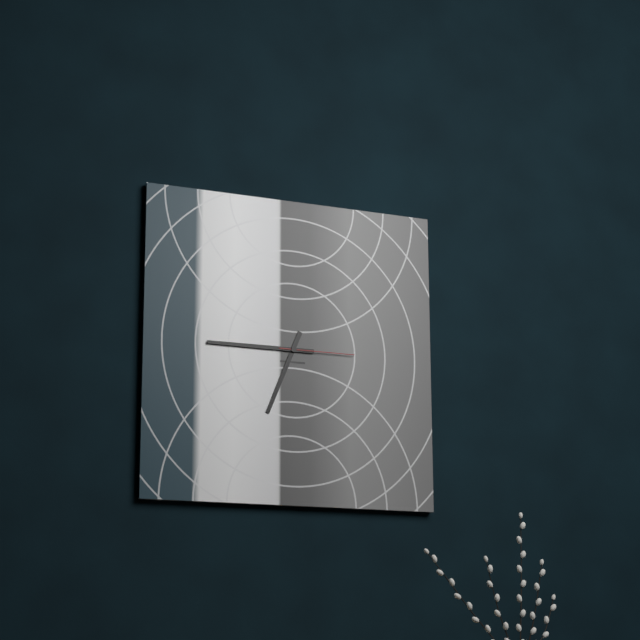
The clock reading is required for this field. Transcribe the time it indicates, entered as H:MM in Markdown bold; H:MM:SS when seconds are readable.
**6:45:15**
